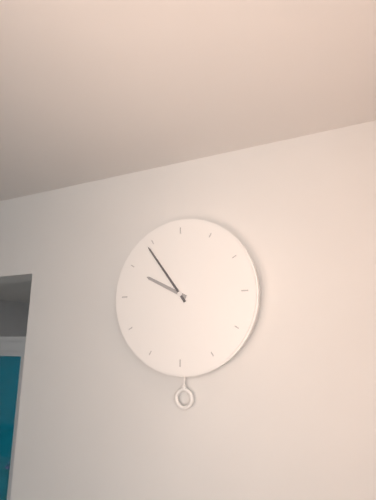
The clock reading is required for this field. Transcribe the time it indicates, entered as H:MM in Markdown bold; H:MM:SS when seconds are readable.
**9:54**
